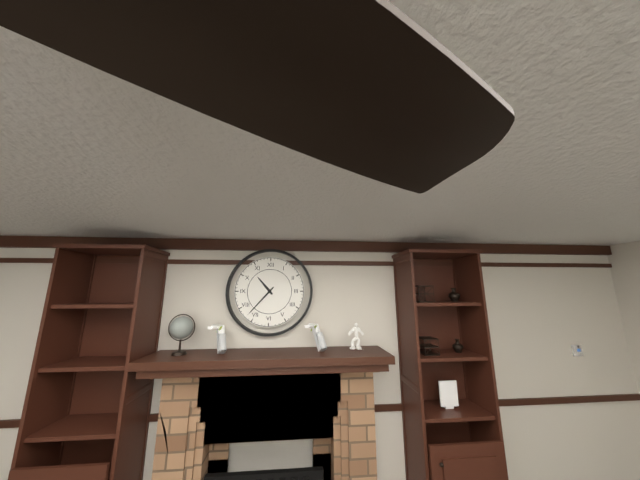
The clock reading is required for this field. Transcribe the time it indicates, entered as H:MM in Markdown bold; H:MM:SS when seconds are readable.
**10:37**
